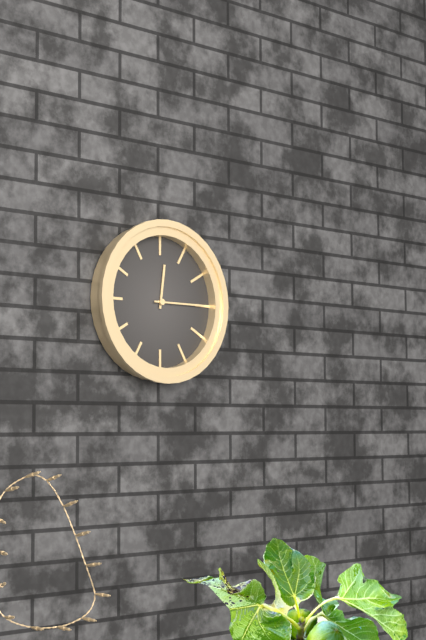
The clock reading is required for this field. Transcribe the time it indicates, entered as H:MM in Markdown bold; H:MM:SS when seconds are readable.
**12:15**
